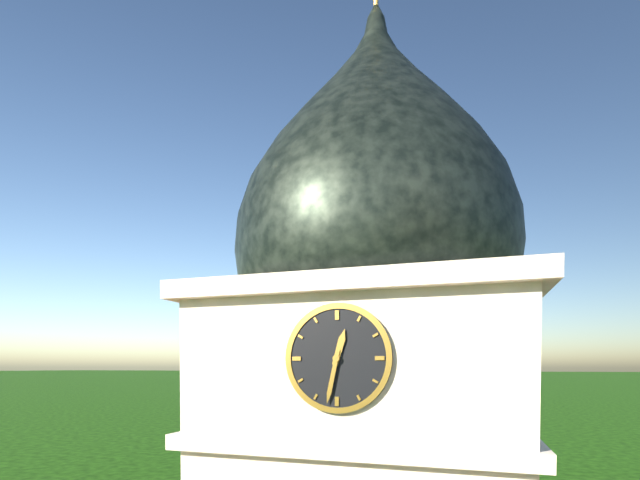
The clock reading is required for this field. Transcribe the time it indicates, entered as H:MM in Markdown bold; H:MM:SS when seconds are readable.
**12:32**
